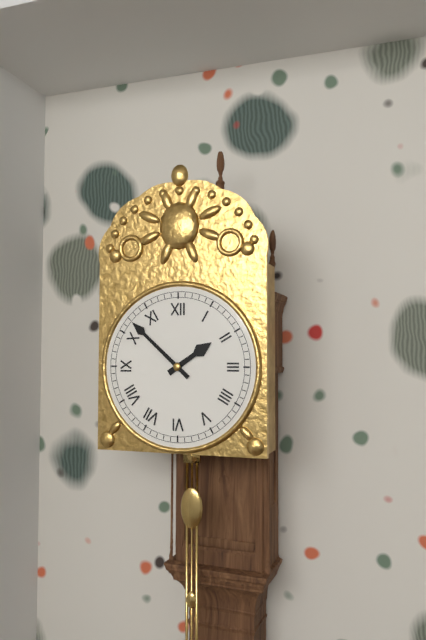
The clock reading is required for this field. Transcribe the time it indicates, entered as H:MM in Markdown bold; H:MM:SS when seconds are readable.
**1:52**
